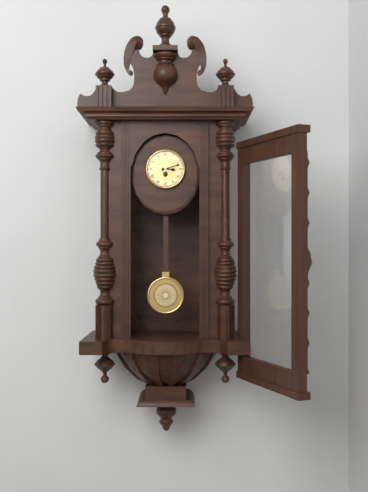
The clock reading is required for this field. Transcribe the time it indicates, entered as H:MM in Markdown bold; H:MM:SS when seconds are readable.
**3:12**
